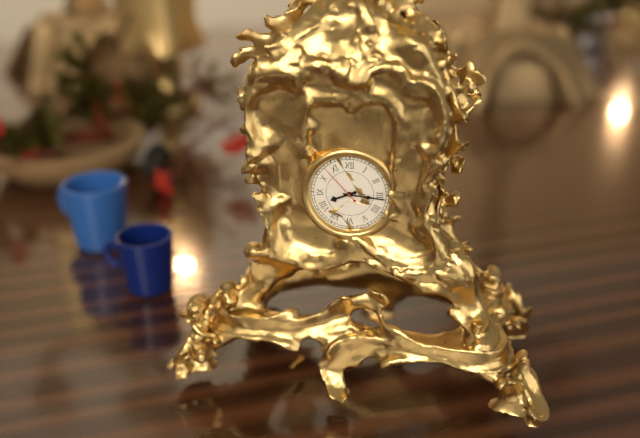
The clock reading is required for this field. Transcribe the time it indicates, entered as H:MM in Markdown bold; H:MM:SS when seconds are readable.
**8:16**
